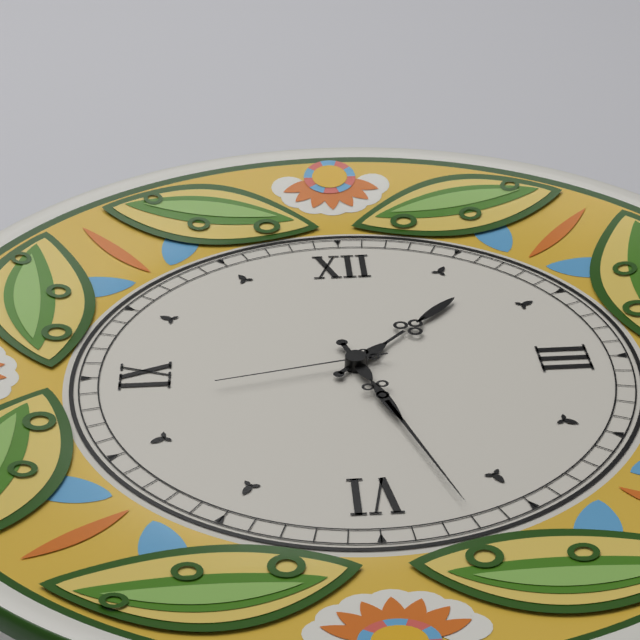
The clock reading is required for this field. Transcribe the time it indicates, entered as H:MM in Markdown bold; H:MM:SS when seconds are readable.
**1:27:43**
